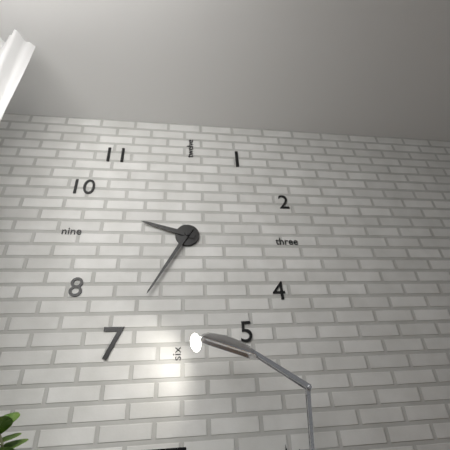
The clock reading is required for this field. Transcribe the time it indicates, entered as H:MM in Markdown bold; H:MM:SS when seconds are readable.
**9:35**
